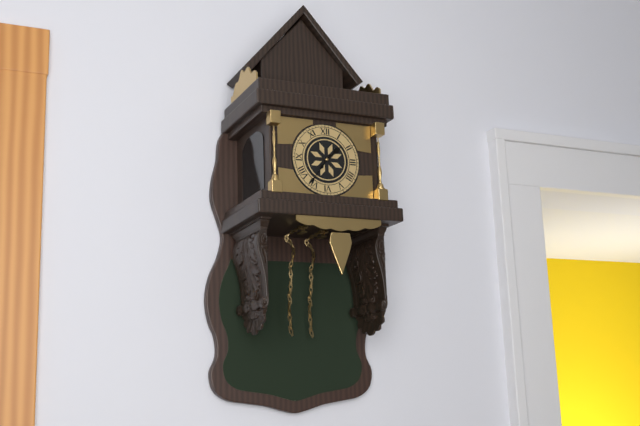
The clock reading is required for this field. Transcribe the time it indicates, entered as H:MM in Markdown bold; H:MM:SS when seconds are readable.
**1:36**
